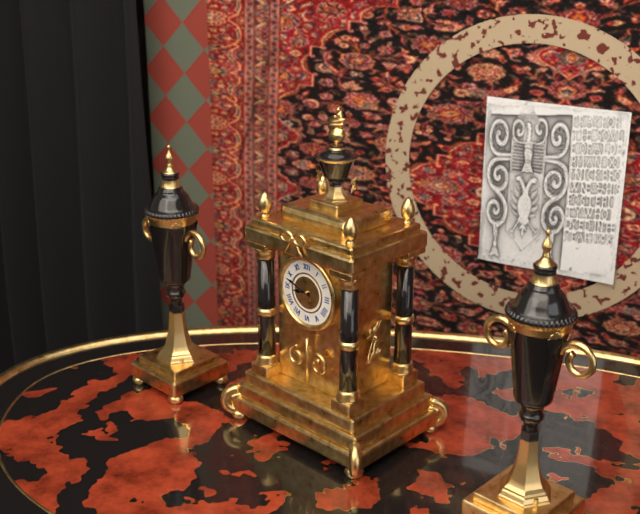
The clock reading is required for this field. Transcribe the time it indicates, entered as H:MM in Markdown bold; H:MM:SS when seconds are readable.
**8:48**
